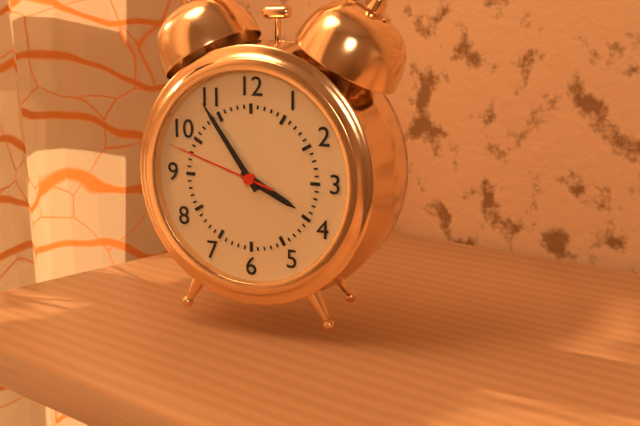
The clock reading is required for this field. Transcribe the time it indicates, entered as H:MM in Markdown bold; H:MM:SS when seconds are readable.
**3:54:48**
